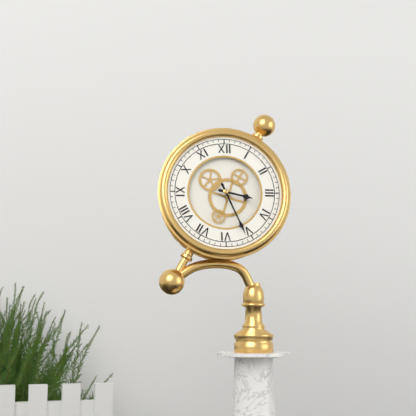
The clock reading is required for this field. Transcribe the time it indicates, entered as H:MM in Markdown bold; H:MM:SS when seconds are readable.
**3:26**
